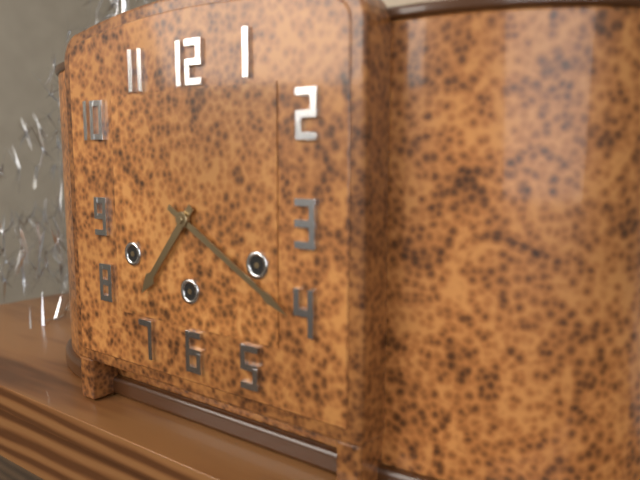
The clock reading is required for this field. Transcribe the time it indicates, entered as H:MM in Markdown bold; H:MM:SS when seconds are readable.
**7:20**
